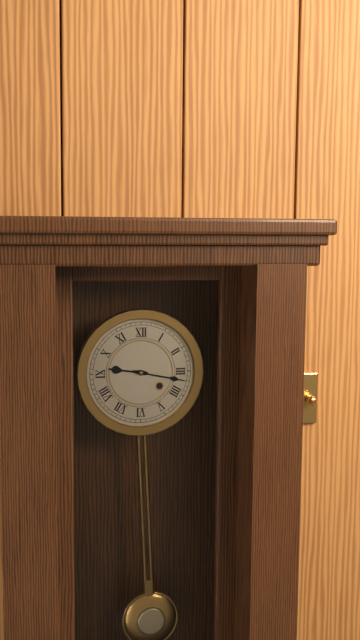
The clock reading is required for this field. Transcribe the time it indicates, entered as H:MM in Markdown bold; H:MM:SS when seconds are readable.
**9:17**
